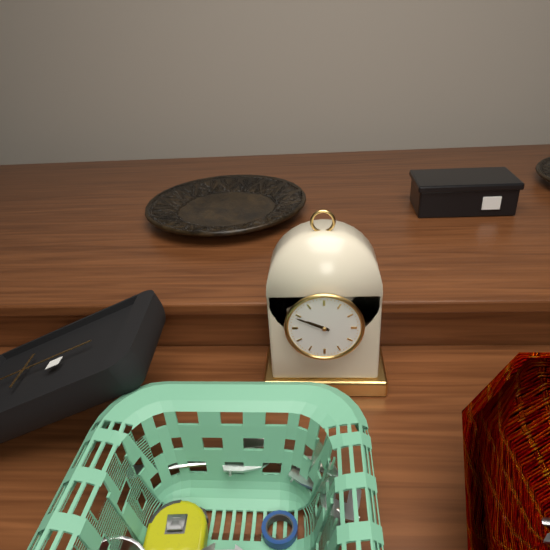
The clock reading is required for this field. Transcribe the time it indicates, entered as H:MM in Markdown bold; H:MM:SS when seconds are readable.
**9:49**
